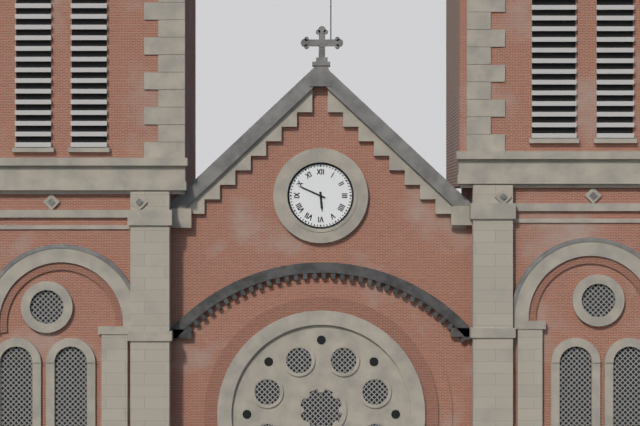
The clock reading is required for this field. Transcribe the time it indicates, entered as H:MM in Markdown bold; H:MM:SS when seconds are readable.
**5:49**
